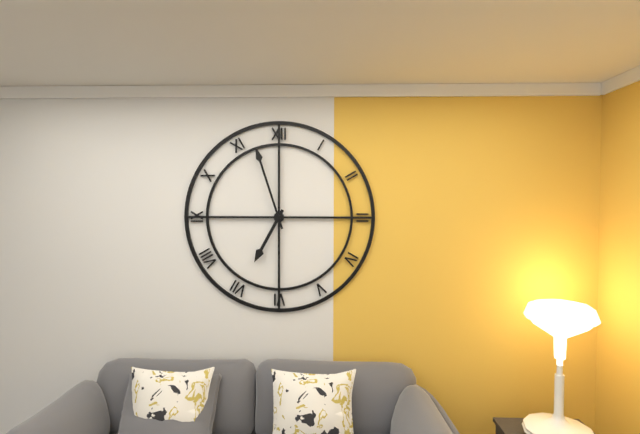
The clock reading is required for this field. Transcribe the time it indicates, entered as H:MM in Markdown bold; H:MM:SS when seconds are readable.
**6:57**
